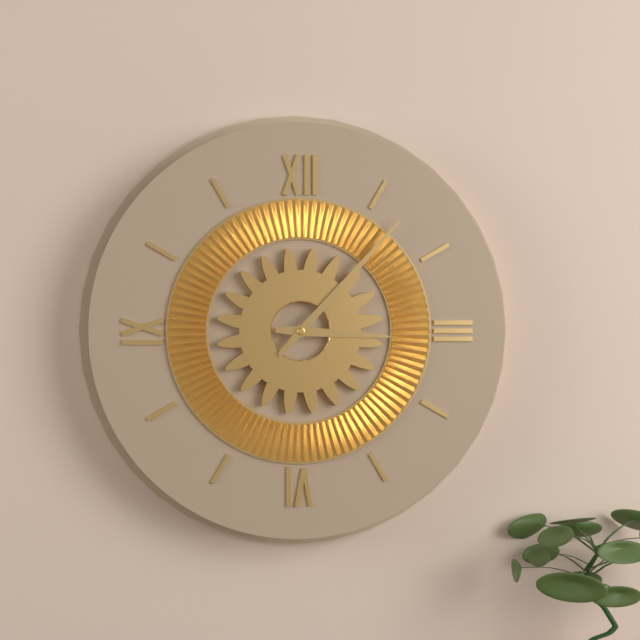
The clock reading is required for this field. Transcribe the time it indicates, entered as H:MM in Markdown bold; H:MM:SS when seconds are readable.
**3:07**
